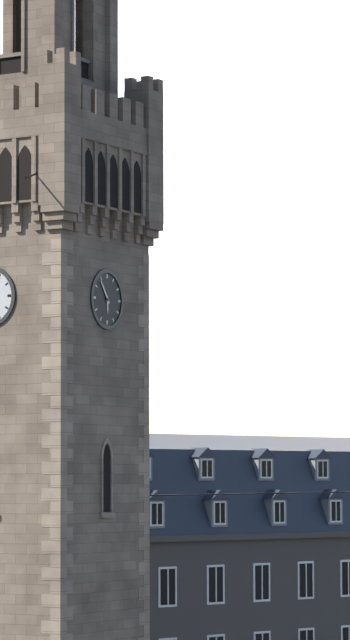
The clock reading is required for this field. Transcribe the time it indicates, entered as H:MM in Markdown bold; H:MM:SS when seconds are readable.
**5:54**
